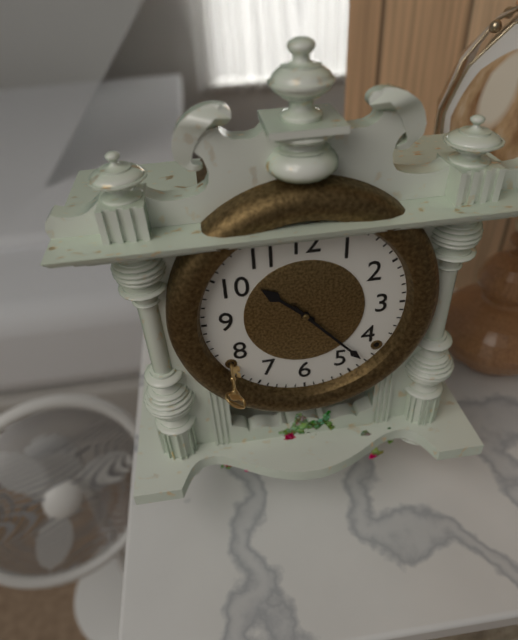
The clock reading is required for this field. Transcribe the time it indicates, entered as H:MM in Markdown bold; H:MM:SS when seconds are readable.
**10:23**
